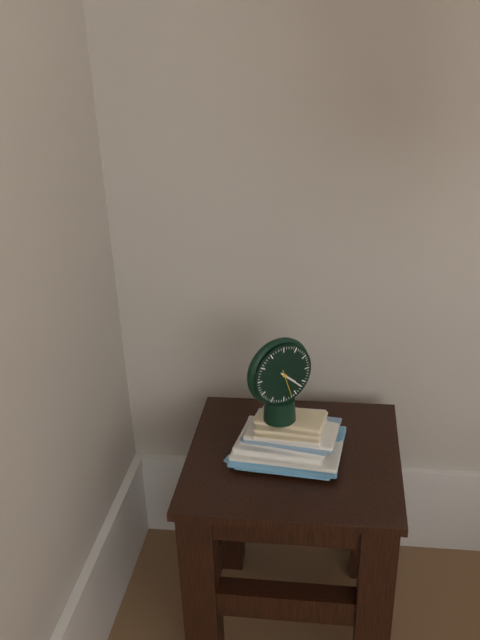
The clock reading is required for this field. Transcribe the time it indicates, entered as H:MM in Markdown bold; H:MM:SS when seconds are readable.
**4:22**
